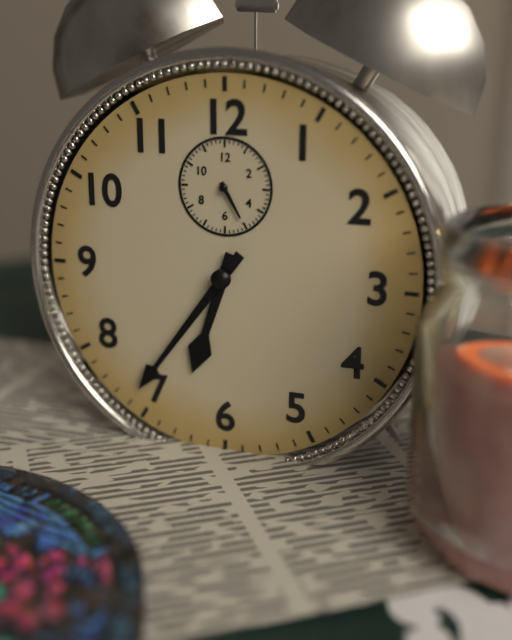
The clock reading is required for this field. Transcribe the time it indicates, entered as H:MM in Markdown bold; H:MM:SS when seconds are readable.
**6:36**
